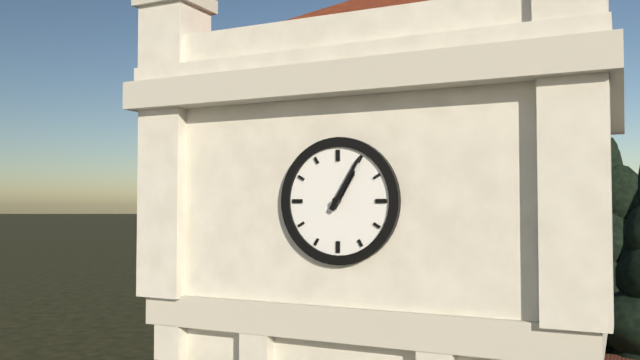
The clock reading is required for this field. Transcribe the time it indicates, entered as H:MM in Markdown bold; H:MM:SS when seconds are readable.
**1:05**
